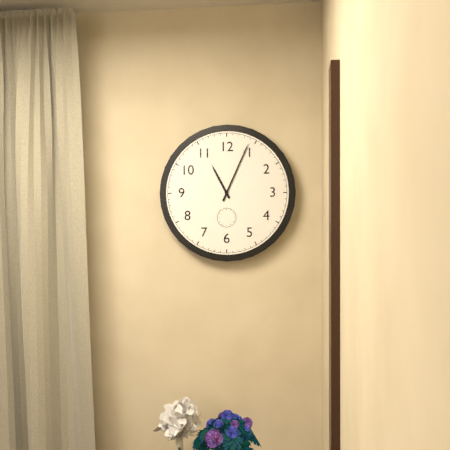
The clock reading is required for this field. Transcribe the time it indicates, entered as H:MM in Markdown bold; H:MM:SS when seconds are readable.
**11:04**
